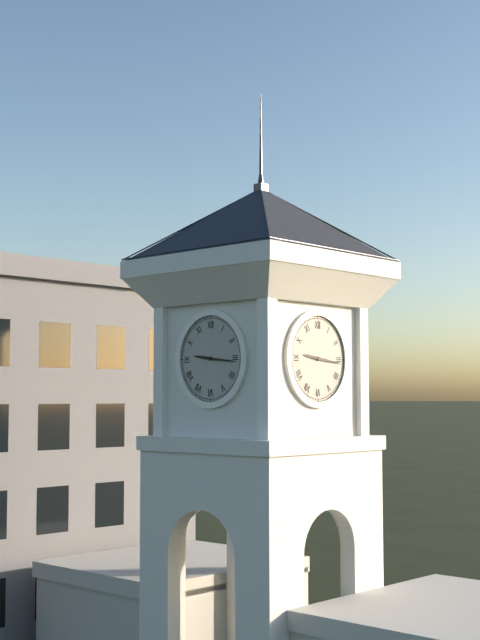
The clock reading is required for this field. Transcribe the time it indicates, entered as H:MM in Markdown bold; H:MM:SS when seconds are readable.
**9:16**
